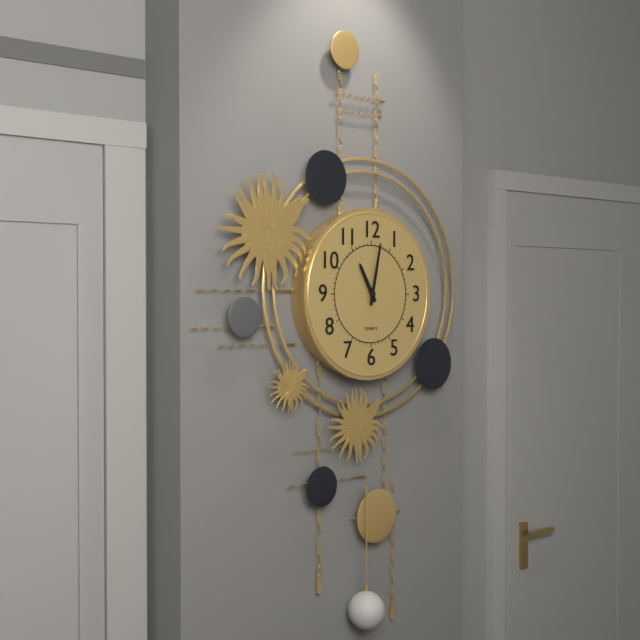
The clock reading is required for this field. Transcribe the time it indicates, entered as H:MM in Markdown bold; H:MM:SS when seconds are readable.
**11:02**
